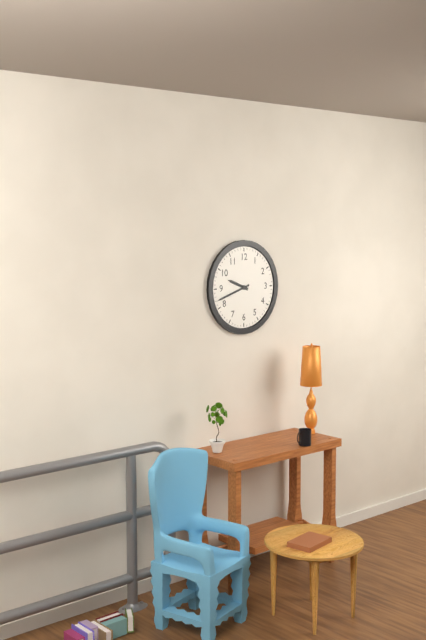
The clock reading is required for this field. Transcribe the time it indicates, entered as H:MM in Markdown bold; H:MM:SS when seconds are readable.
**9:42**
